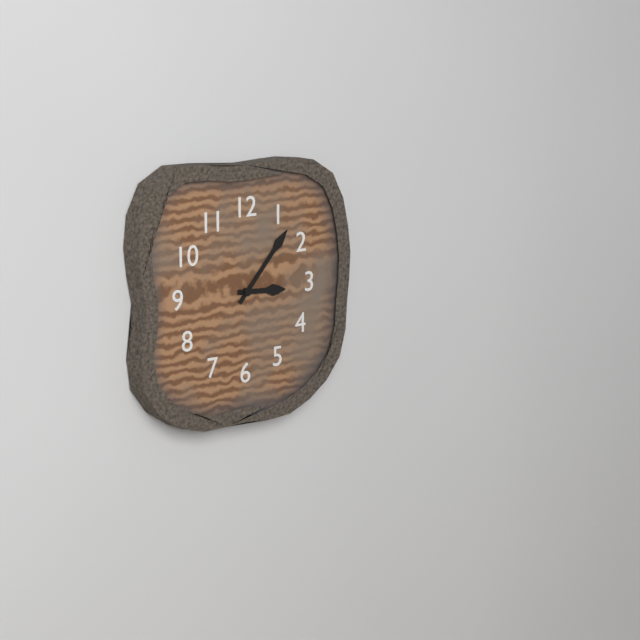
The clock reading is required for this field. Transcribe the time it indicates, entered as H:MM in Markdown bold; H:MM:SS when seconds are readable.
**3:07**
